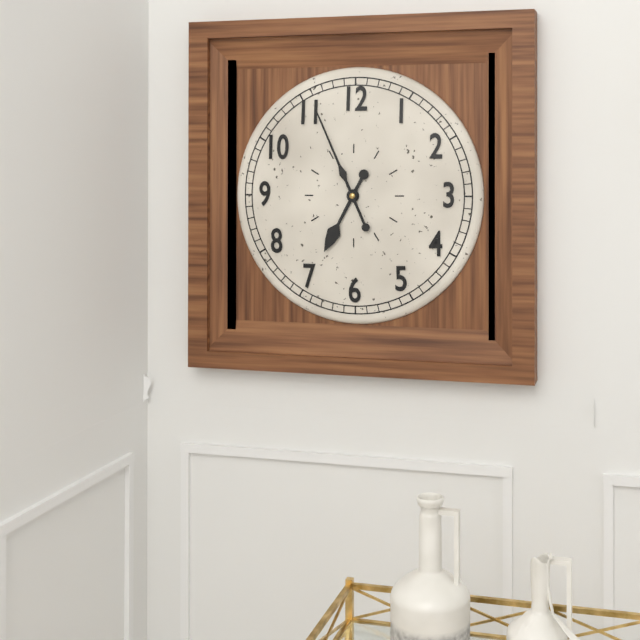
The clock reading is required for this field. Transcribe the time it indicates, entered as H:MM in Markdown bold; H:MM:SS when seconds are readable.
**6:56**
